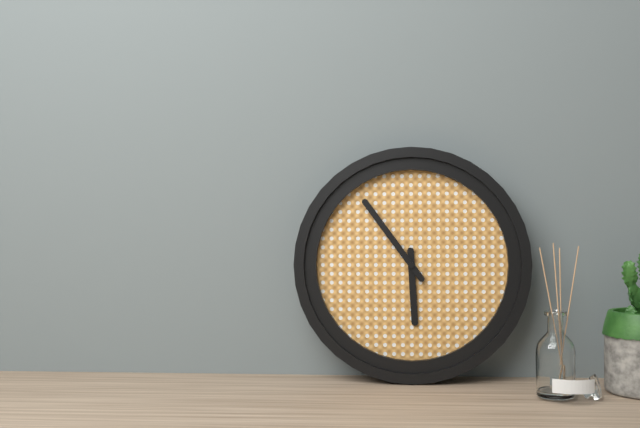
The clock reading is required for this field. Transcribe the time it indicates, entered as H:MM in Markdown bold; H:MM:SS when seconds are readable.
**5:54**
